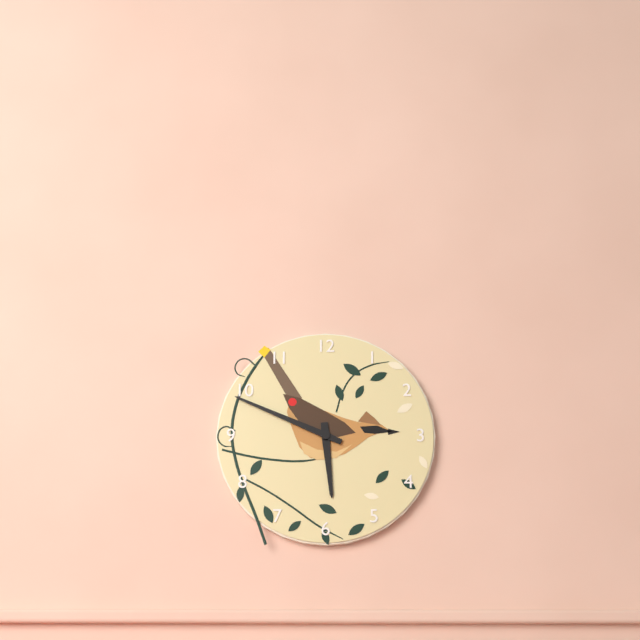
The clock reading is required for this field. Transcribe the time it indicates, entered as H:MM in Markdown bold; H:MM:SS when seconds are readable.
**5:49**
